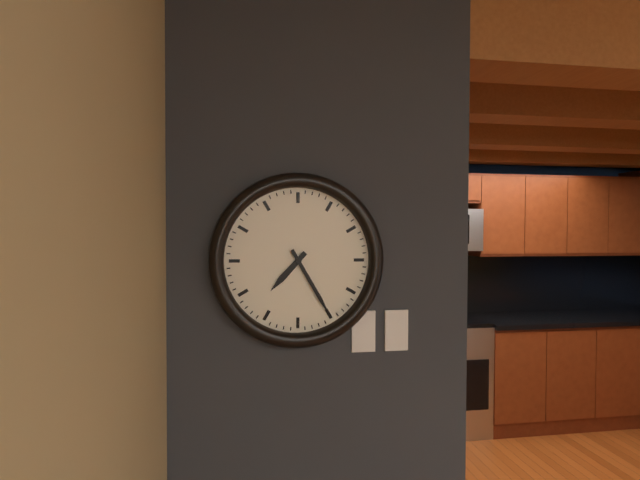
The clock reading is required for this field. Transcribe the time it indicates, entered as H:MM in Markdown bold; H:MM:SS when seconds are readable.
**7:25**
